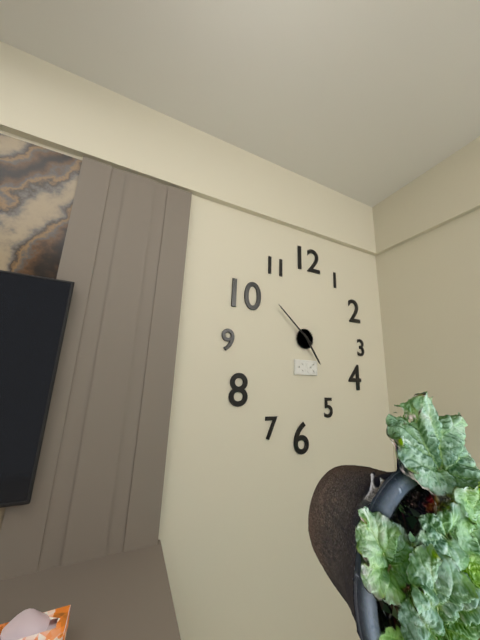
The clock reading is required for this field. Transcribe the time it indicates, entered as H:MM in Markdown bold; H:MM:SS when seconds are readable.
**4:52**
